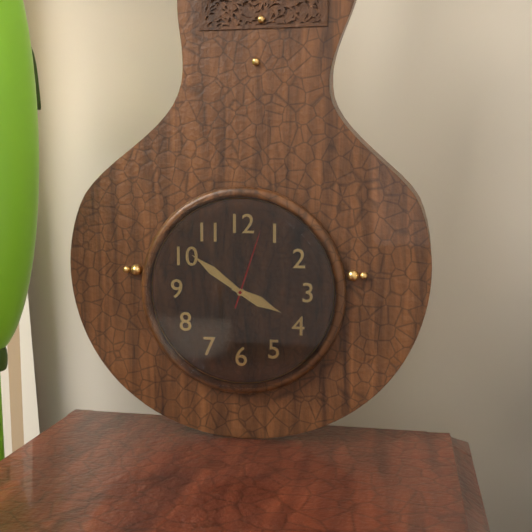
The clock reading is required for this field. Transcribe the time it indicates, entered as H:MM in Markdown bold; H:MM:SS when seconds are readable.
**3:51:03**
